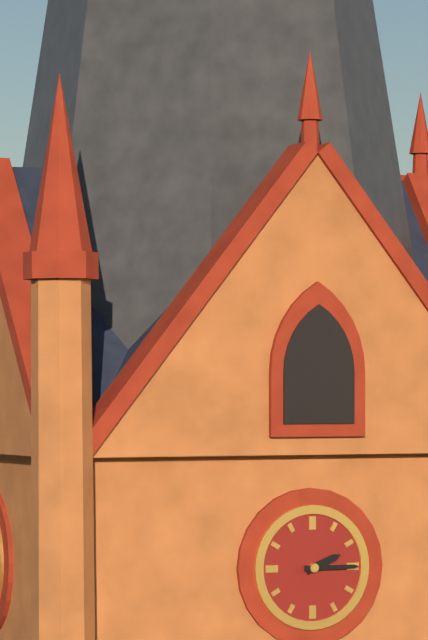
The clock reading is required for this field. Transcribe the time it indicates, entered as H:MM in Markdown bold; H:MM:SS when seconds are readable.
**2:15**
